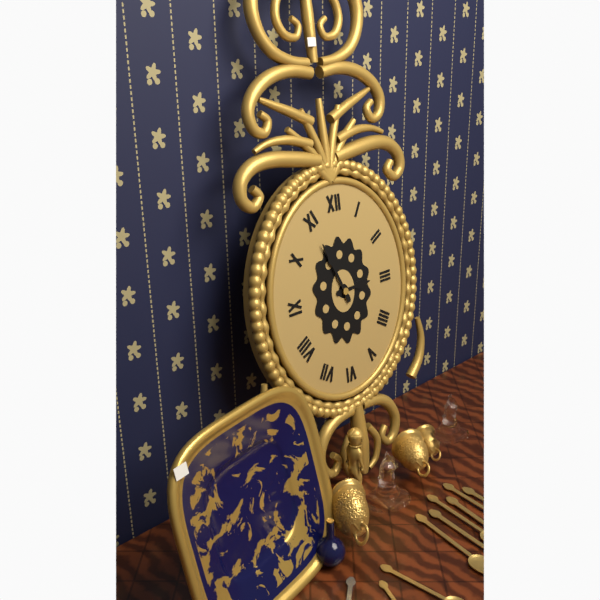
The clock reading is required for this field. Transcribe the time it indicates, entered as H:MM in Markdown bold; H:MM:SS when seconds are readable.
**2:56**
